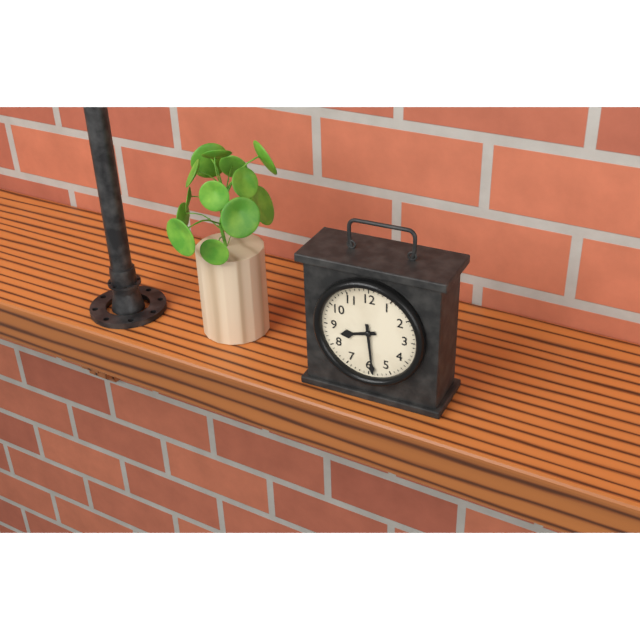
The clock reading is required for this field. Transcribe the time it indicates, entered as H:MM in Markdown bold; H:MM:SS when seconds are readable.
**8:29**
